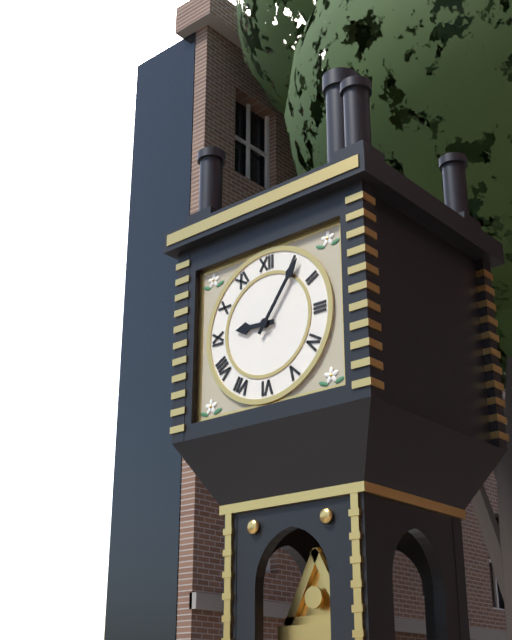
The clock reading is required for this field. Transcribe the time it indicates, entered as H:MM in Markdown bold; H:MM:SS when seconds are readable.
**9:06**
